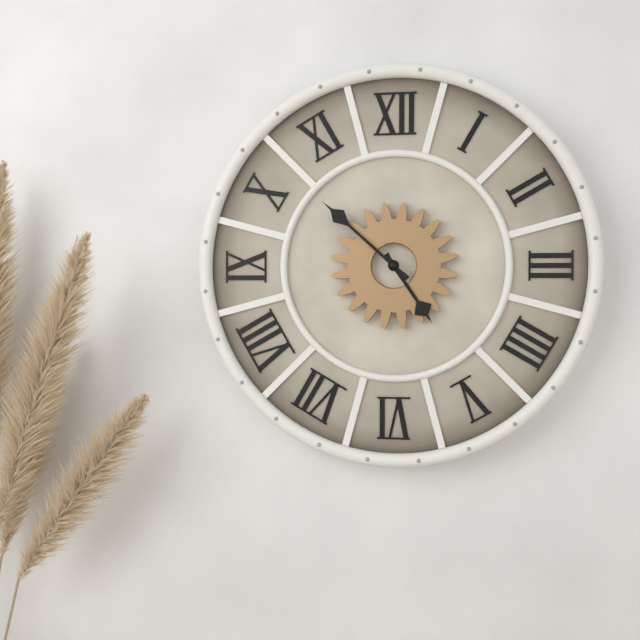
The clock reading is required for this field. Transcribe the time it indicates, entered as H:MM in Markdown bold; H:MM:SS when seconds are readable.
**4:52**
